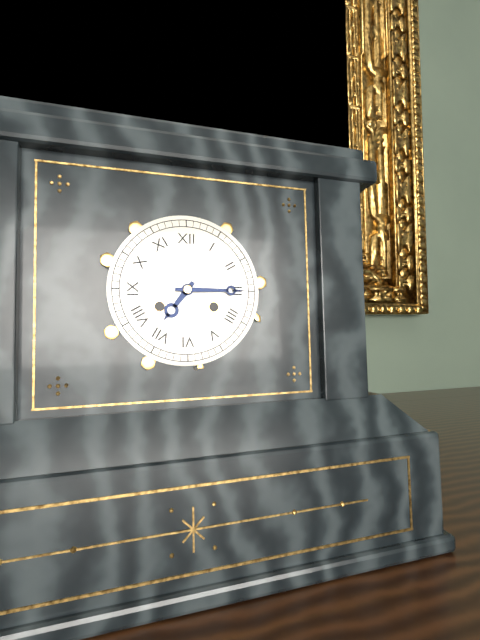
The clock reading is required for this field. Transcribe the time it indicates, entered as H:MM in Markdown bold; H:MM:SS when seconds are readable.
**7:15**
